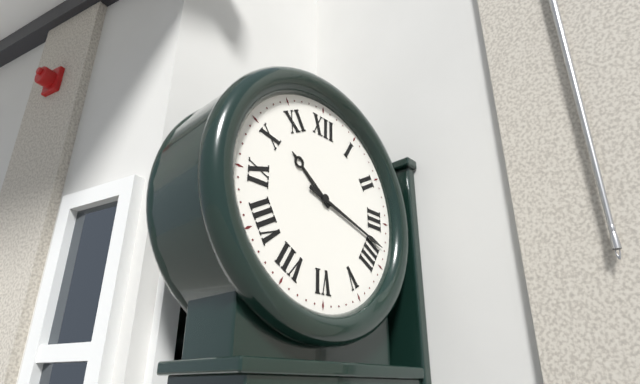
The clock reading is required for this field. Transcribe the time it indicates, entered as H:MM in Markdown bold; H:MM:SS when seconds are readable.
**10:18**
